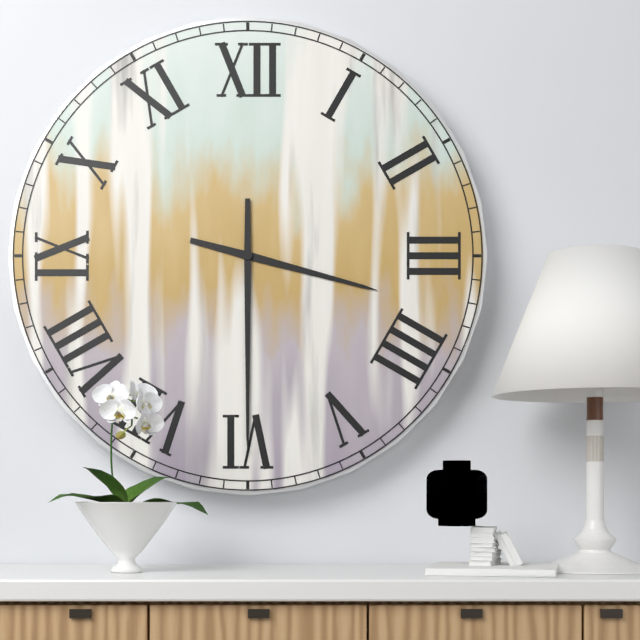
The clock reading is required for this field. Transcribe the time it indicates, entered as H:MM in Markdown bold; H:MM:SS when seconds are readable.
**3:30**
